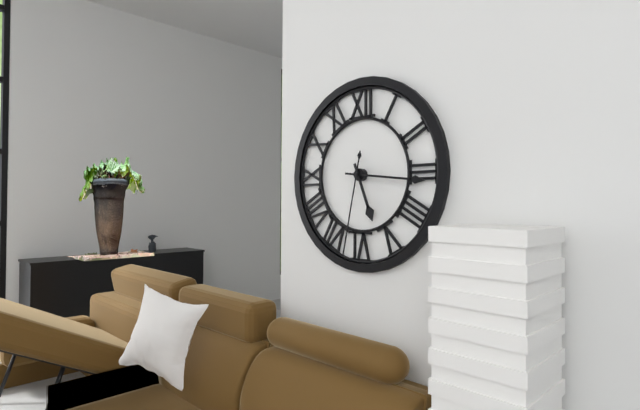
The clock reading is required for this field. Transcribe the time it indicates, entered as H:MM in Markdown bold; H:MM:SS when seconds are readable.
**5:16:32**
